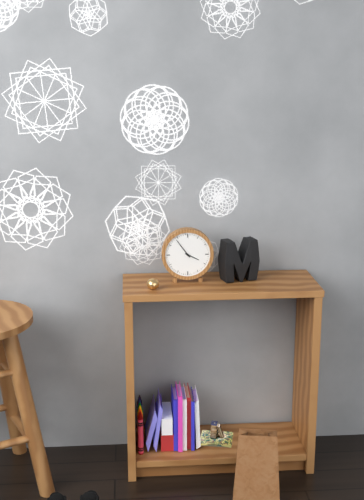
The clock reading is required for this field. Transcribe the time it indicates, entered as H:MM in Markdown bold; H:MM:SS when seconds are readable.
**3:54**
